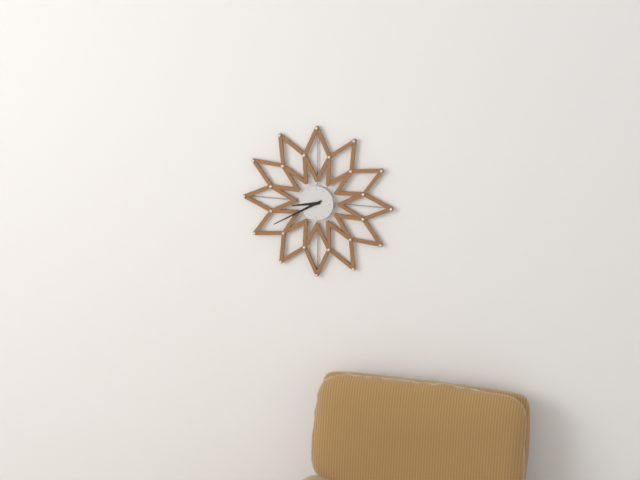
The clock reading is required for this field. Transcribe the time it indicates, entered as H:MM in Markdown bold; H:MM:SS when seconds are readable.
**8:40**
